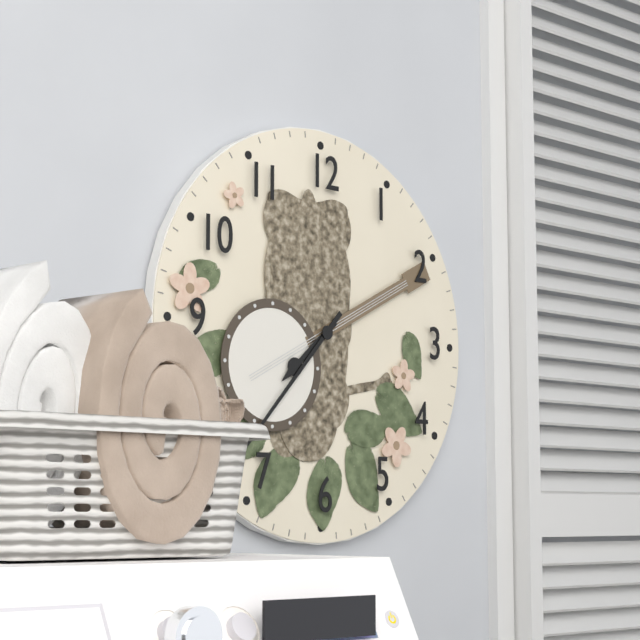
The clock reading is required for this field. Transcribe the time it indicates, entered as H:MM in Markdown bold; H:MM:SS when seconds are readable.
**7:37**
